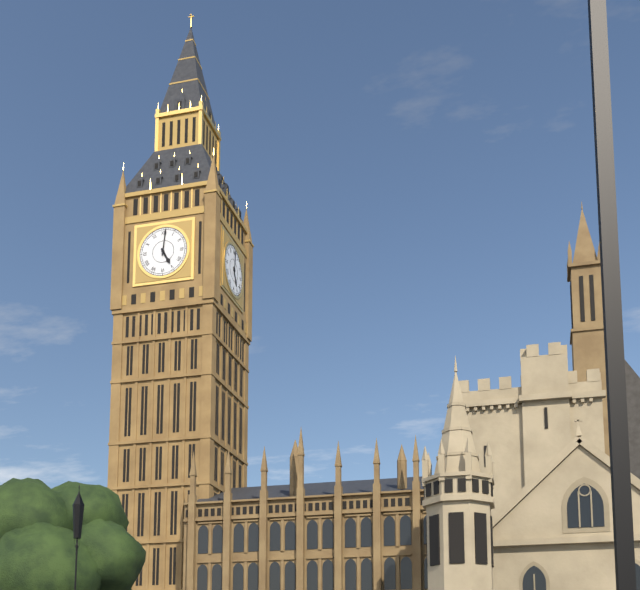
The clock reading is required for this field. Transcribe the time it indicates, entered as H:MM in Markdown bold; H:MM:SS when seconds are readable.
**5:01**
